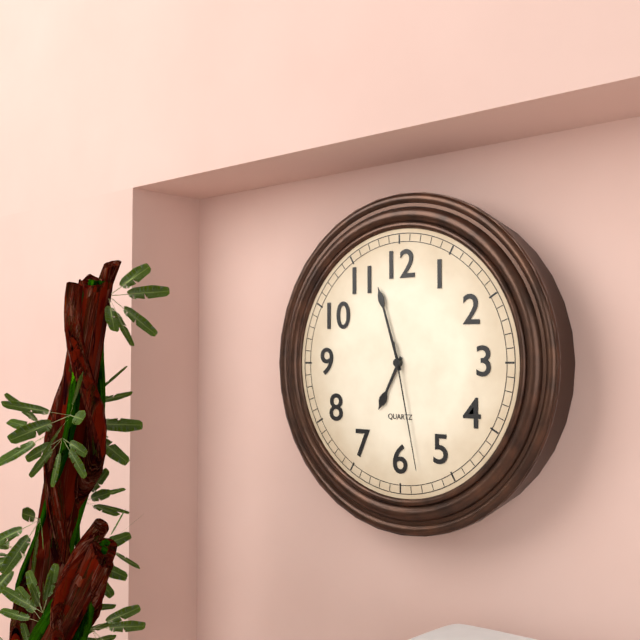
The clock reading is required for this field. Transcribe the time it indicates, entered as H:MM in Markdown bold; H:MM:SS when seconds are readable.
**6:57:28**
